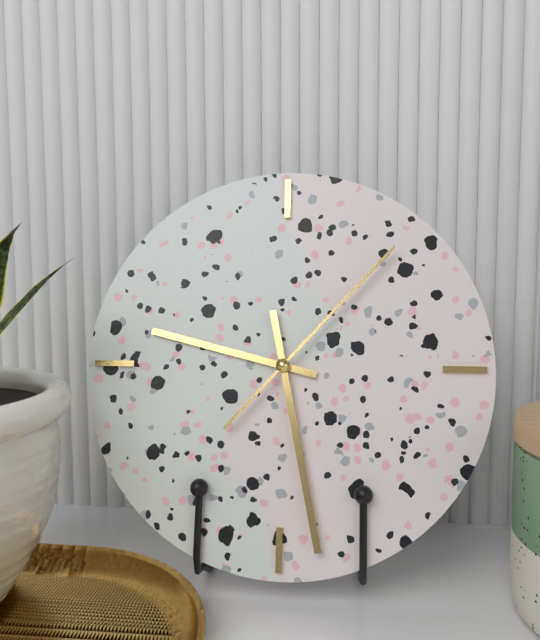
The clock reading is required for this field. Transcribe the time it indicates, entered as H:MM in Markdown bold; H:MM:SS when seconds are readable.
**9:28:07**
